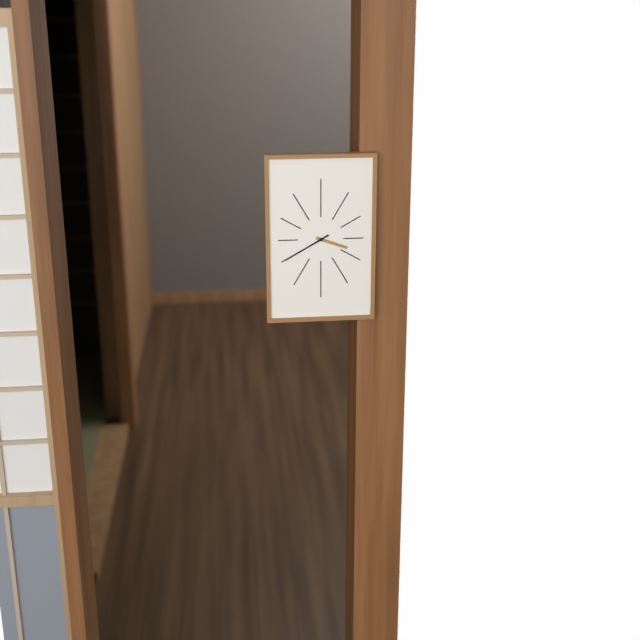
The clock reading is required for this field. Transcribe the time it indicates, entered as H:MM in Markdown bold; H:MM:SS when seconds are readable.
**3:40**
